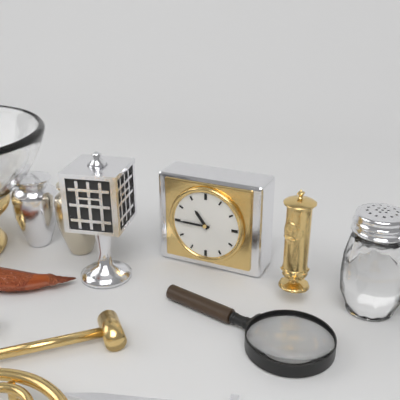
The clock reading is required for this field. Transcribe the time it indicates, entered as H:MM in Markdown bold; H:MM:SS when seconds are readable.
**10:45**
